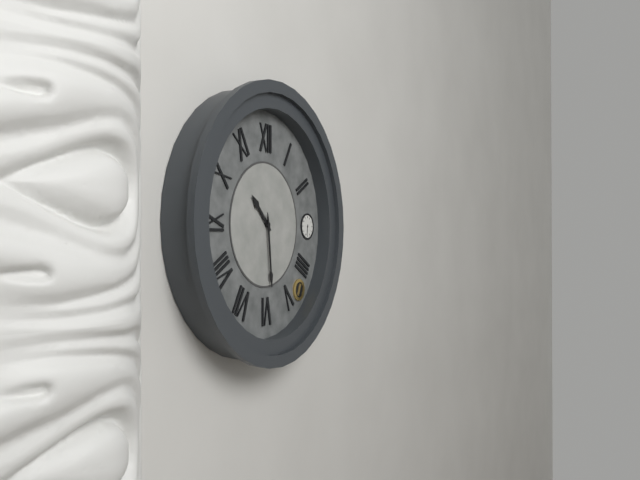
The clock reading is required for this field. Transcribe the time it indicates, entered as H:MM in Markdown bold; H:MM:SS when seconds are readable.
**10:29**
